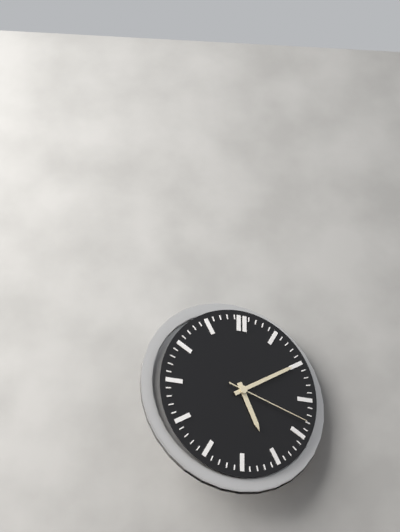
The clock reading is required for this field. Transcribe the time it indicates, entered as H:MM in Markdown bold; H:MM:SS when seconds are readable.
**5:10:18**
